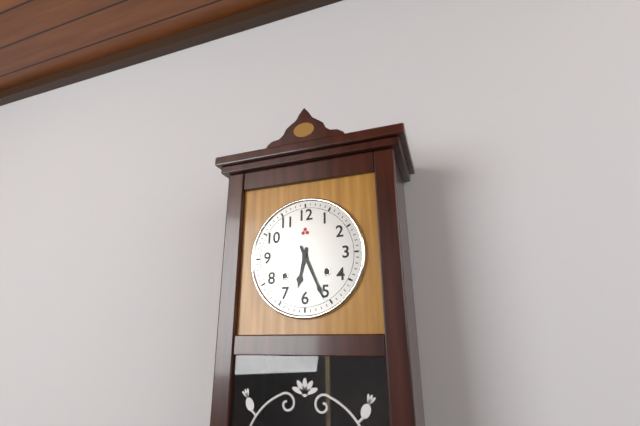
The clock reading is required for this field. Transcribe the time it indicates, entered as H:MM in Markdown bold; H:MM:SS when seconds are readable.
**6:26**
